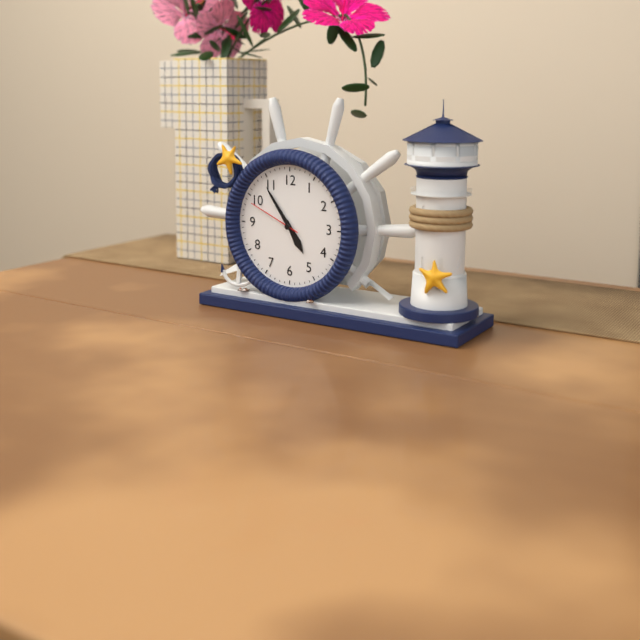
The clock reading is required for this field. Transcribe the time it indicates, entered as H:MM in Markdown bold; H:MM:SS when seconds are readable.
**4:54:49**
